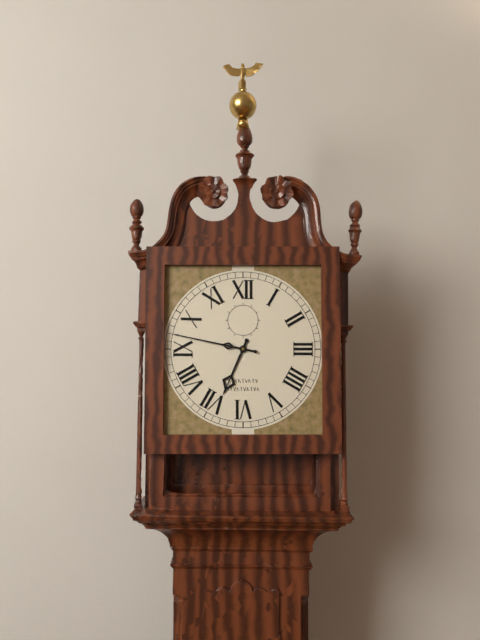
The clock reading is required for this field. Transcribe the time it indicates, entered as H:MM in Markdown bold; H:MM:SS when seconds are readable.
**6:47**
